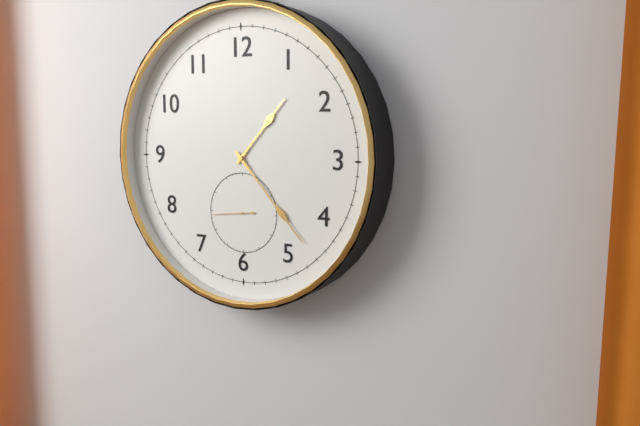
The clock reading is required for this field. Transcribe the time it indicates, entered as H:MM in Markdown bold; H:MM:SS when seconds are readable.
**1:23**
